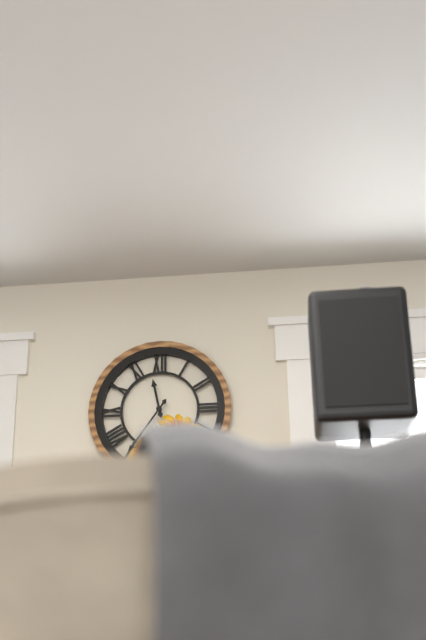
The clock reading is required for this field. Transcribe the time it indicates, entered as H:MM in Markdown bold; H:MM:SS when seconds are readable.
**11:36**
